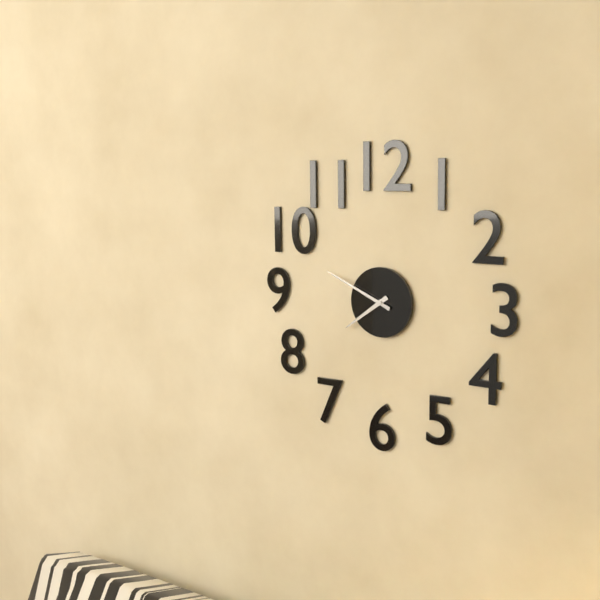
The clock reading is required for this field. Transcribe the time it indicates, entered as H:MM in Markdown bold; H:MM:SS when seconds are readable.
**7:49**
